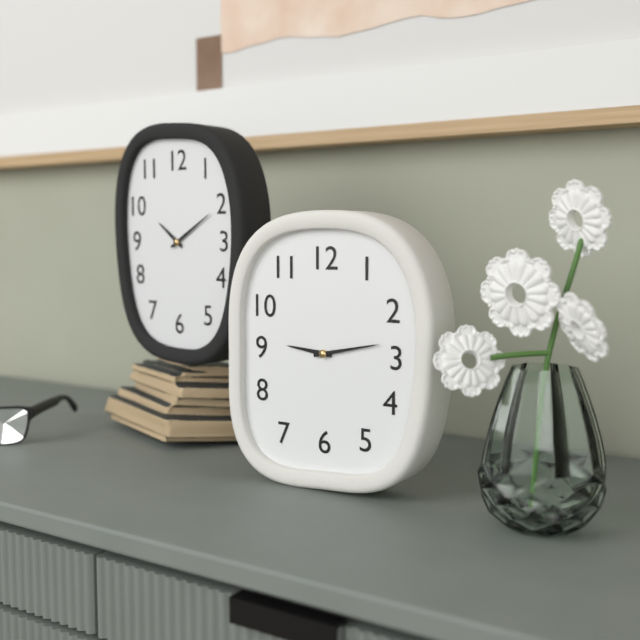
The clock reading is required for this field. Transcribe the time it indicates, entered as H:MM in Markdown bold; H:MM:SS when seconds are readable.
**9:13**
